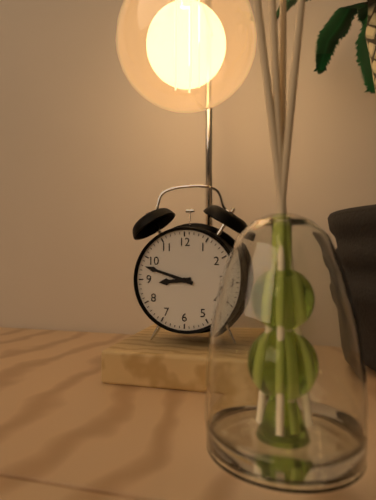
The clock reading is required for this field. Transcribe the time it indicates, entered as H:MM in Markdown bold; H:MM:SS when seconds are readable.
**8:48**
